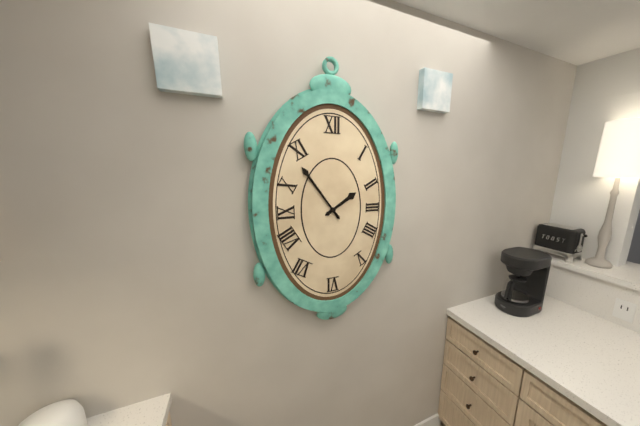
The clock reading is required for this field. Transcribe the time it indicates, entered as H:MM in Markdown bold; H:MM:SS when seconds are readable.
**1:54**
